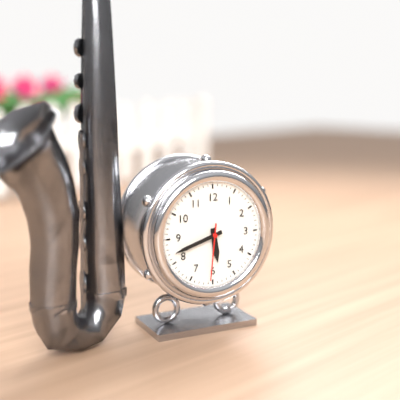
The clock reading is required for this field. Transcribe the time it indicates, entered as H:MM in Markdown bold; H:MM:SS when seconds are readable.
**5:42:31**
